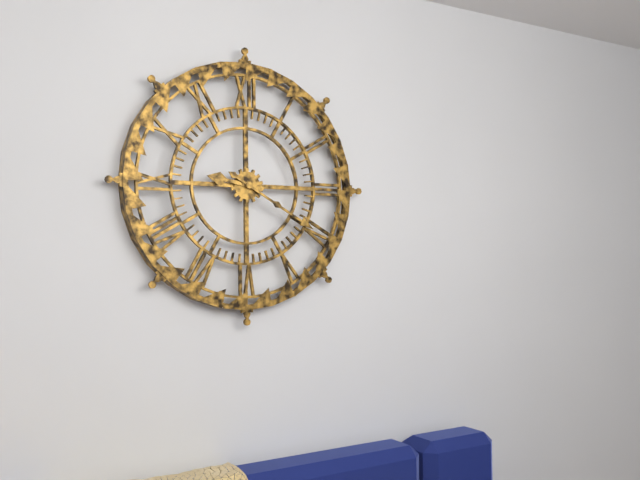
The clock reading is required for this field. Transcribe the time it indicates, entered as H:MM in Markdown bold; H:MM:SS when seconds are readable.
**9:20**
